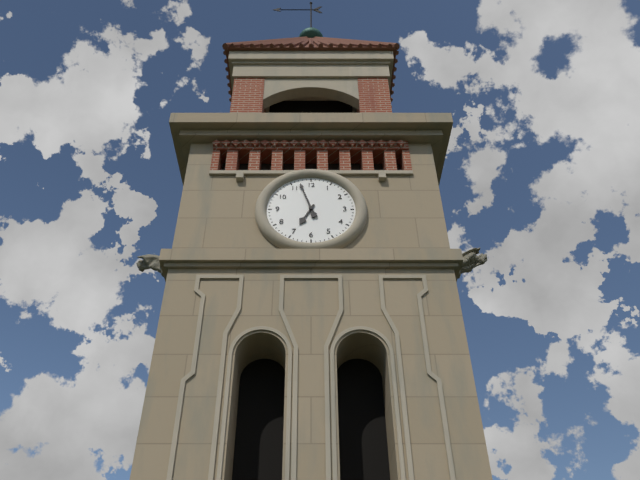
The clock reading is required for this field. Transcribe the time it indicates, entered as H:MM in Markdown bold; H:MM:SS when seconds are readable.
**6:57**
